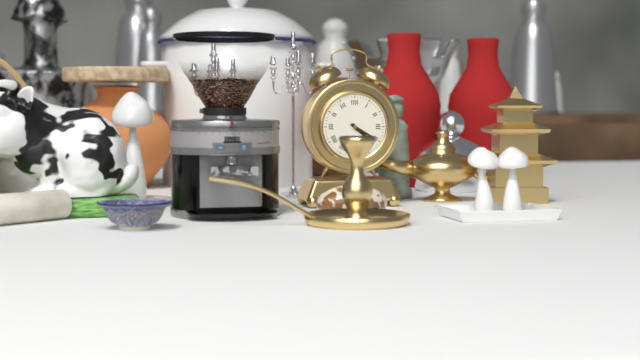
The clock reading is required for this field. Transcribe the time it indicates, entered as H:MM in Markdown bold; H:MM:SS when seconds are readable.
**4:20**
